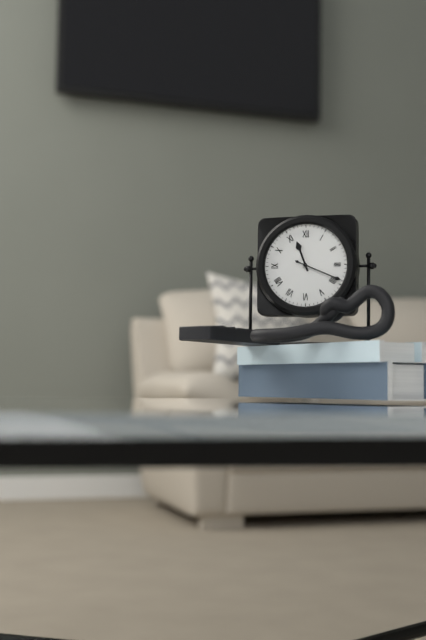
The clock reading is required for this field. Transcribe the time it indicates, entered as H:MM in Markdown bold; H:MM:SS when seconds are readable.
**11:19**
